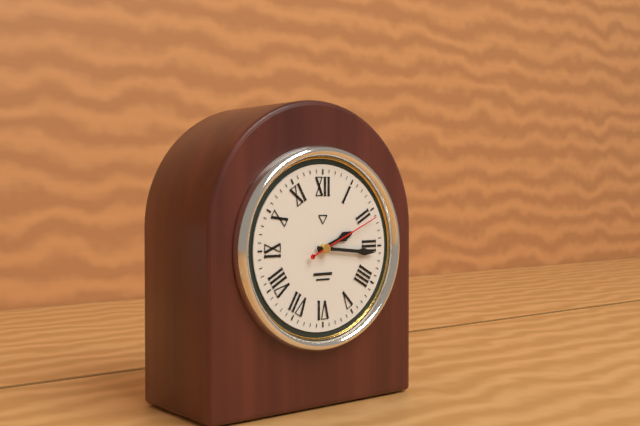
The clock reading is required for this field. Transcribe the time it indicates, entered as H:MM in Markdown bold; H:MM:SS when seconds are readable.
**2:16:11**
